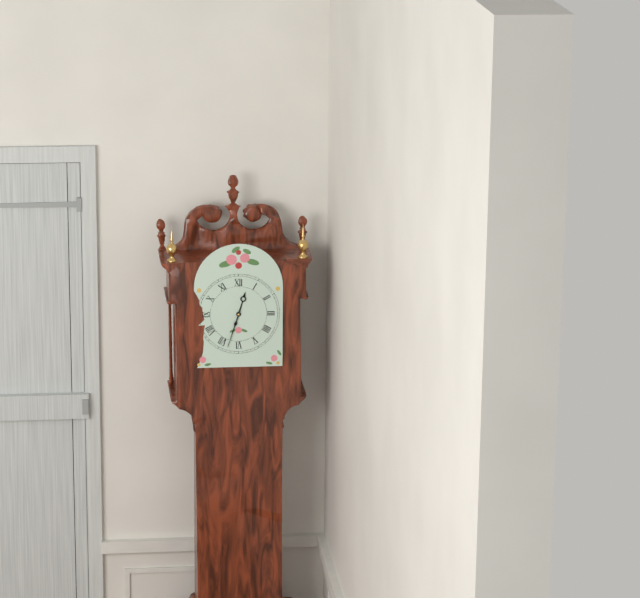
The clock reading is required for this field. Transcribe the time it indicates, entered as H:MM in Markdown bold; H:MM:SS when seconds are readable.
**12:33**
